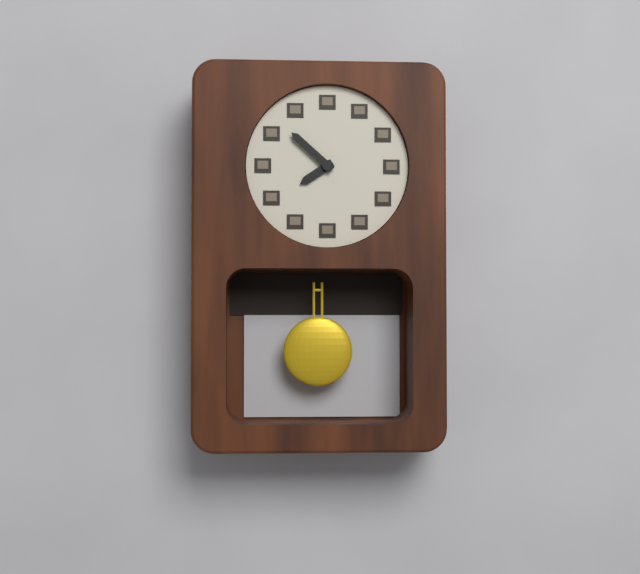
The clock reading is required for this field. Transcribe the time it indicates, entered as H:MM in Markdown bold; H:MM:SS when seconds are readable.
**7:52**
